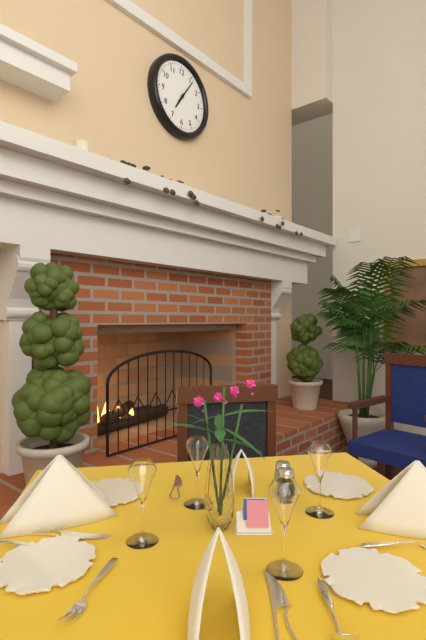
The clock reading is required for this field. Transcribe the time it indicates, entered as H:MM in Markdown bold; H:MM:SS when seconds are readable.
**7:06**
